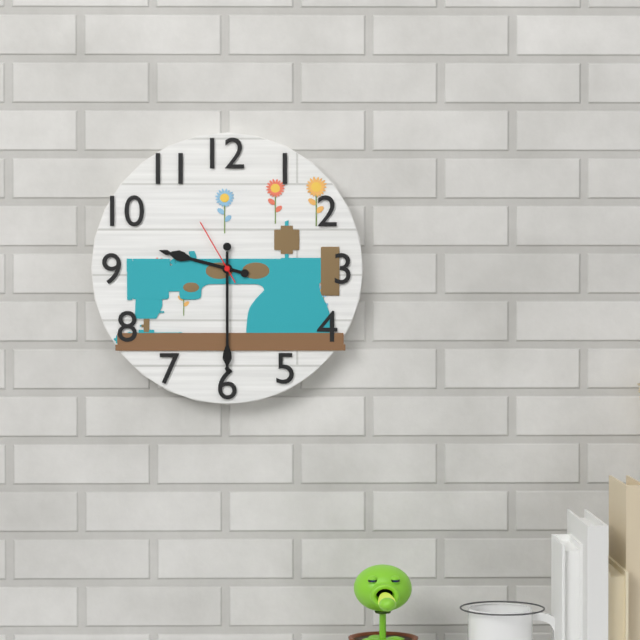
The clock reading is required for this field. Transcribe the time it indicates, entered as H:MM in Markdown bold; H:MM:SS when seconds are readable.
**9:30:55**
